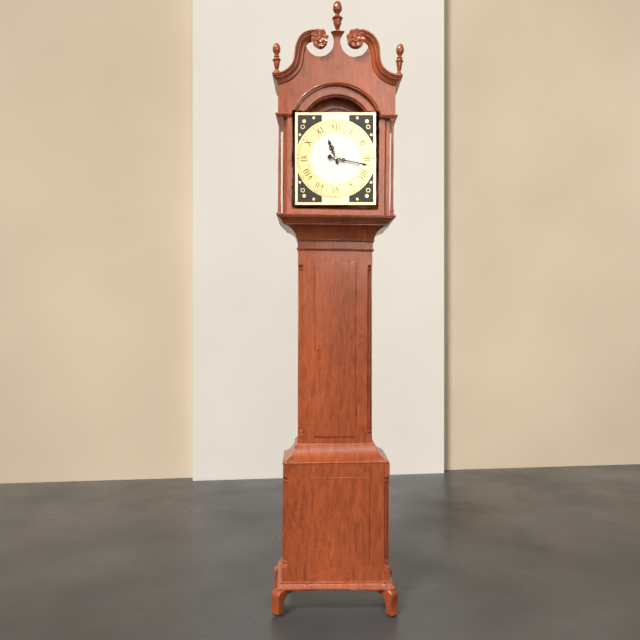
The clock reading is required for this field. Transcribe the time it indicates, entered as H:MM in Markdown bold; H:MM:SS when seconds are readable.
**11:17**
